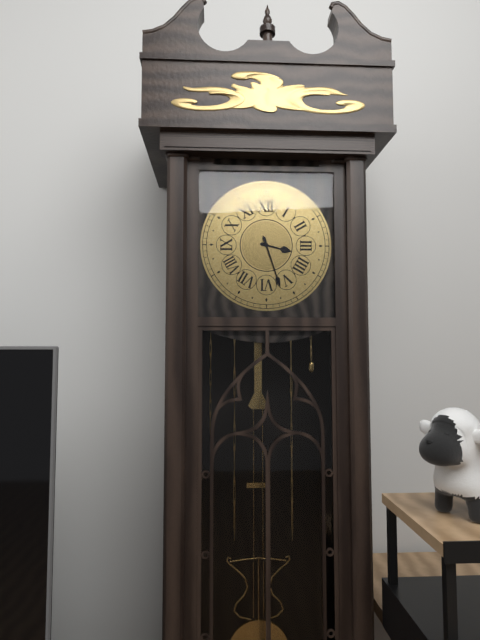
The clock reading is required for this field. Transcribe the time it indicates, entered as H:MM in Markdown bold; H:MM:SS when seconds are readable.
**3:27**
